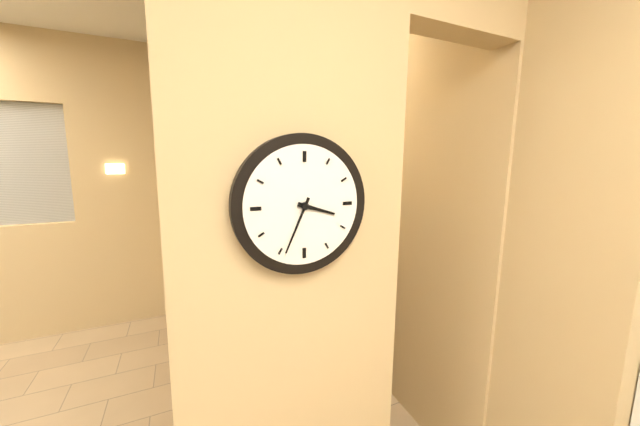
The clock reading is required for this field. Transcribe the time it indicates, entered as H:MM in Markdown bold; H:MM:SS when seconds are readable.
**3:34**
